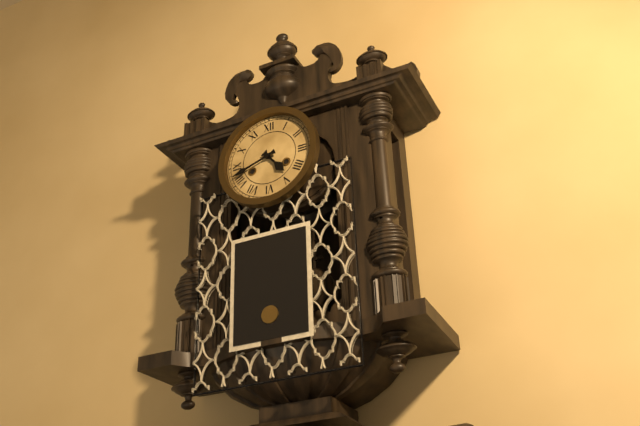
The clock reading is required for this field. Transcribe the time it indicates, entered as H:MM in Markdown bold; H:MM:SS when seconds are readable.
**4:42**
